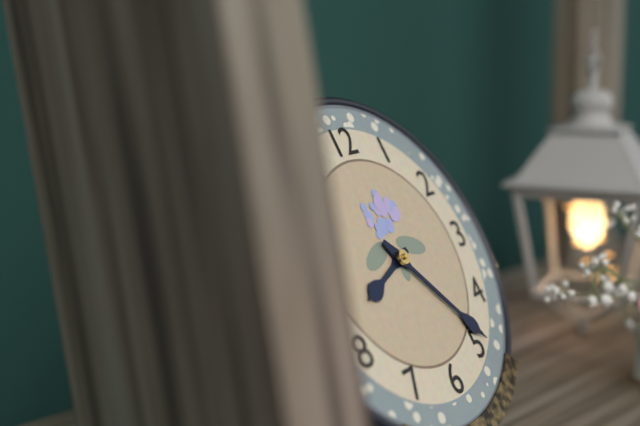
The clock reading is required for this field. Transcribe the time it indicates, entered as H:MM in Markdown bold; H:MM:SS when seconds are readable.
**8:24**
